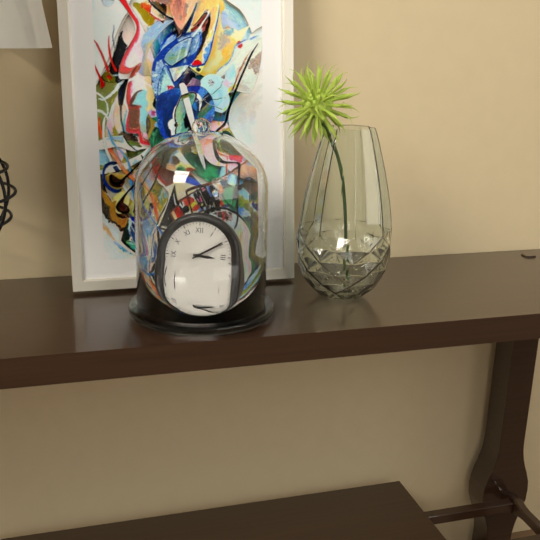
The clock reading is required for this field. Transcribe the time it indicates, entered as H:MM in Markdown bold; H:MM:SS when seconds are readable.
**3:10**
